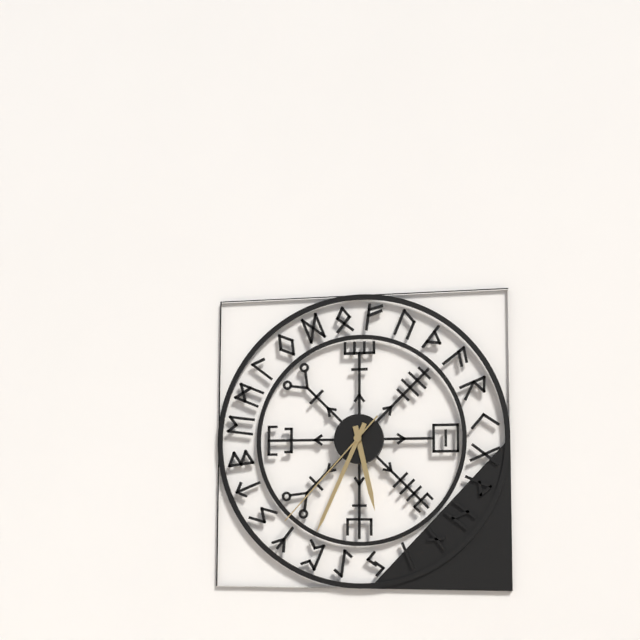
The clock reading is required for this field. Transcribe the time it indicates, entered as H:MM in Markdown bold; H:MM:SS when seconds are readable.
**5:34:37**
